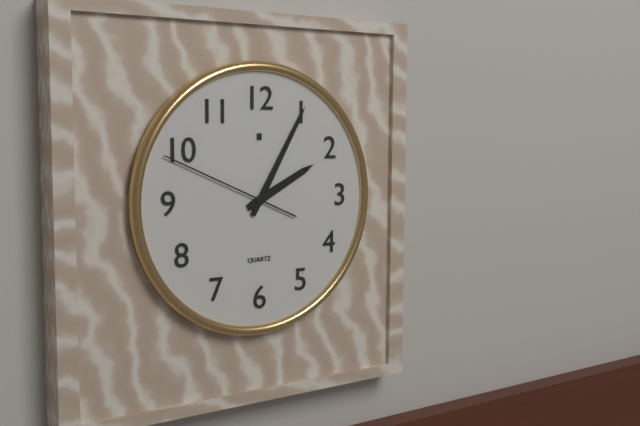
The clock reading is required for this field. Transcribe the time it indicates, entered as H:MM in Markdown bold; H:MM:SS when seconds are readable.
**2:05:49**
